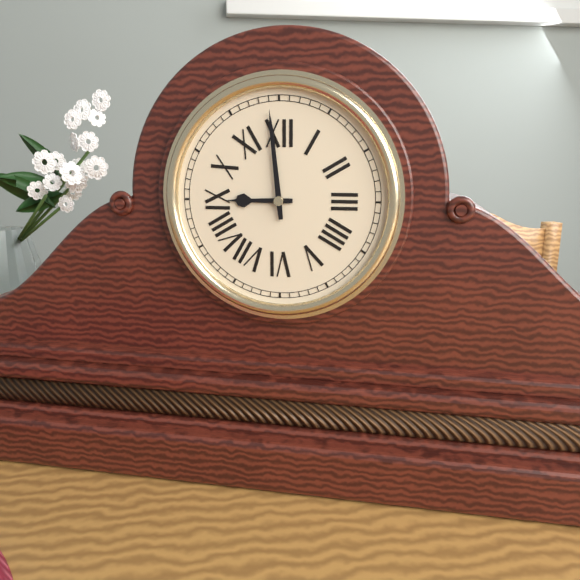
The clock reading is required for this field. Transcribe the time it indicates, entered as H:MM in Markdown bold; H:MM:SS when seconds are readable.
**8:59**
